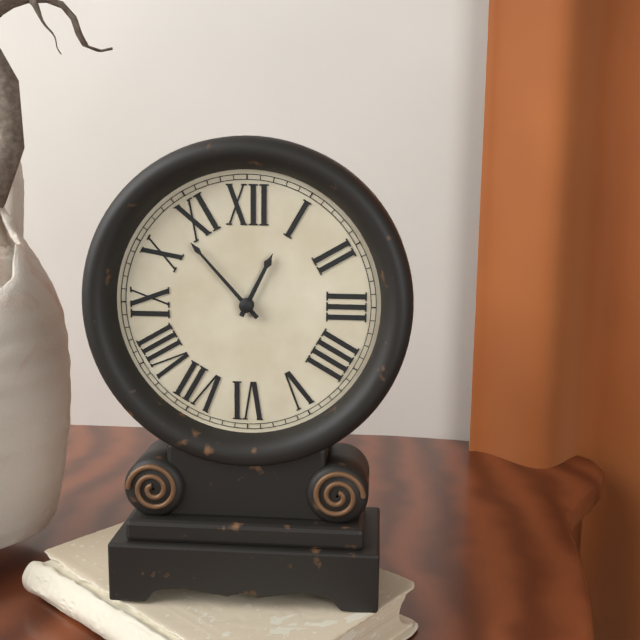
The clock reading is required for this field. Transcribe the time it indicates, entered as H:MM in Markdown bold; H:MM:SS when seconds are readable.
**12:53**
